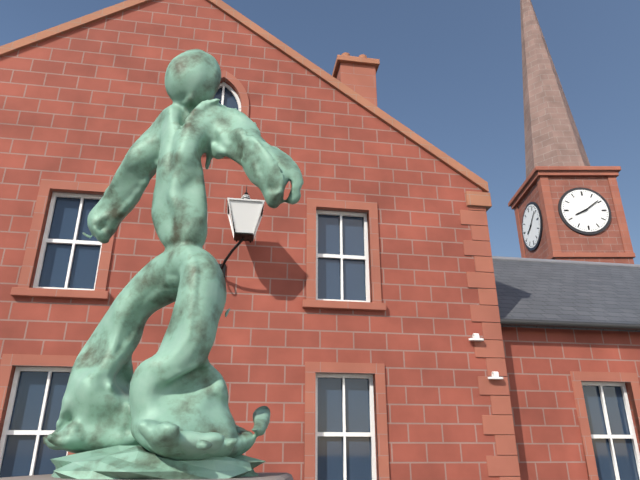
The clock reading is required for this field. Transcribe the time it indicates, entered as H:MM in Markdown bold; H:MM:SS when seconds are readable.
**8:09**
